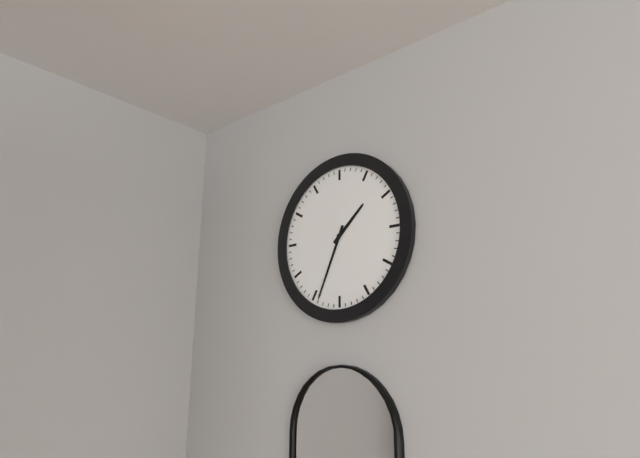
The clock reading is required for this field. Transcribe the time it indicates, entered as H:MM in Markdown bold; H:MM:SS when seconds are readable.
**1:34**
